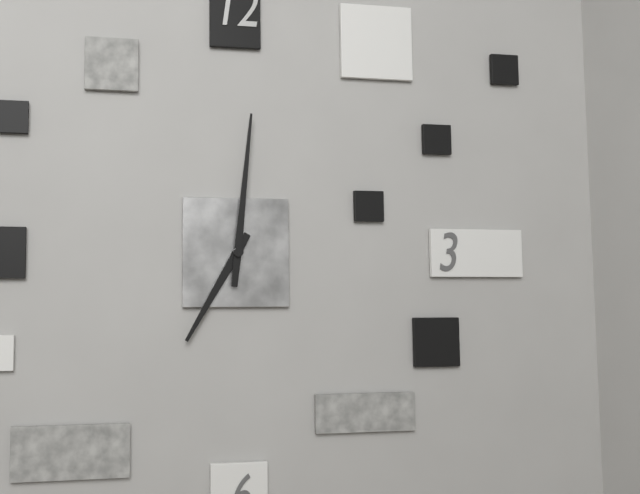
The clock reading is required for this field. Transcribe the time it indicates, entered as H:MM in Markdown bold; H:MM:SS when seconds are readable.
**7:01**
